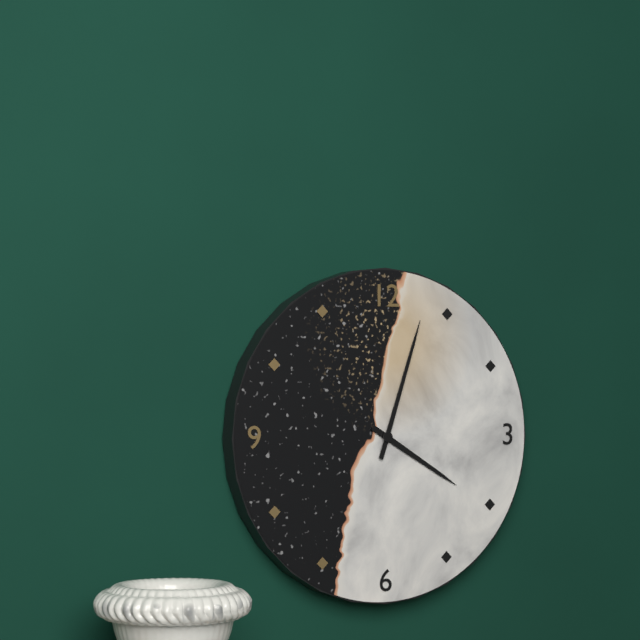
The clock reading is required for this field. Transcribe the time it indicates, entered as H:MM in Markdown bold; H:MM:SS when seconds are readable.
**4:03**
